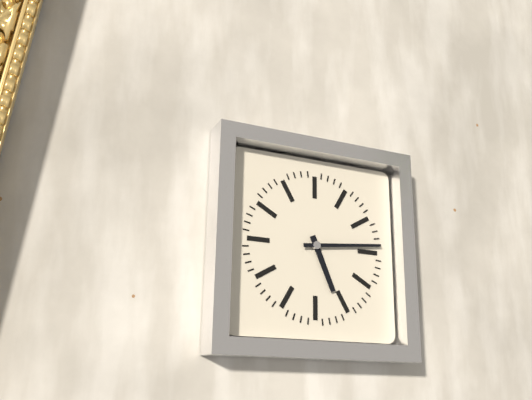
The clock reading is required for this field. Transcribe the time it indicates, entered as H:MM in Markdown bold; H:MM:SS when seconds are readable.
**5:14**
